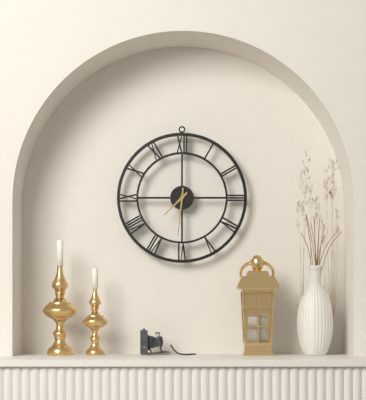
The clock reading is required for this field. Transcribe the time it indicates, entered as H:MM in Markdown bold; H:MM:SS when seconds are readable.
**7:31**
